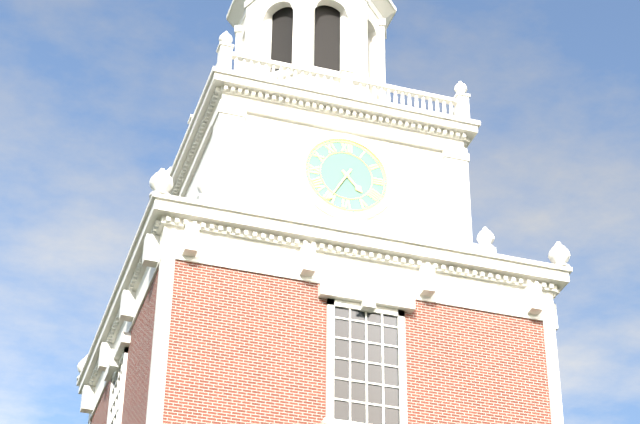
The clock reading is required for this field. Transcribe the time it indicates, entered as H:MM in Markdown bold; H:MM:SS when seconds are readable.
**4:35**
